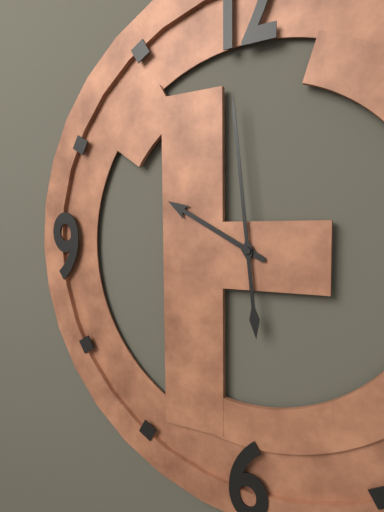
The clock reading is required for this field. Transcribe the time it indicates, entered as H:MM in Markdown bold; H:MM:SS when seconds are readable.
**9:59**
